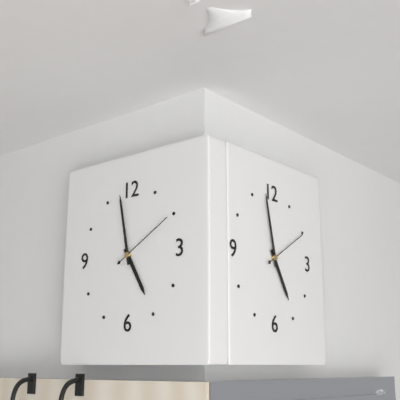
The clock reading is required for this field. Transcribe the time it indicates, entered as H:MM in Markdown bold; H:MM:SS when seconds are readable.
**4:58:10**
